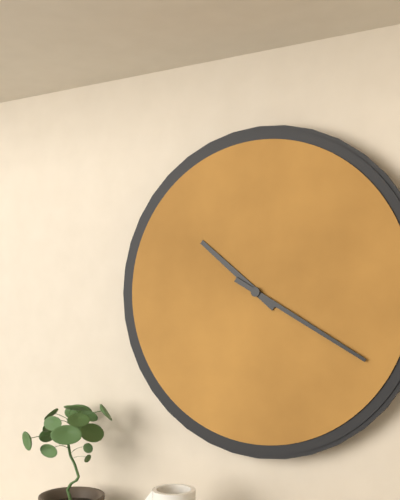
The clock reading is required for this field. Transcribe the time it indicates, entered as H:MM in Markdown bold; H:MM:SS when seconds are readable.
**10:20**
